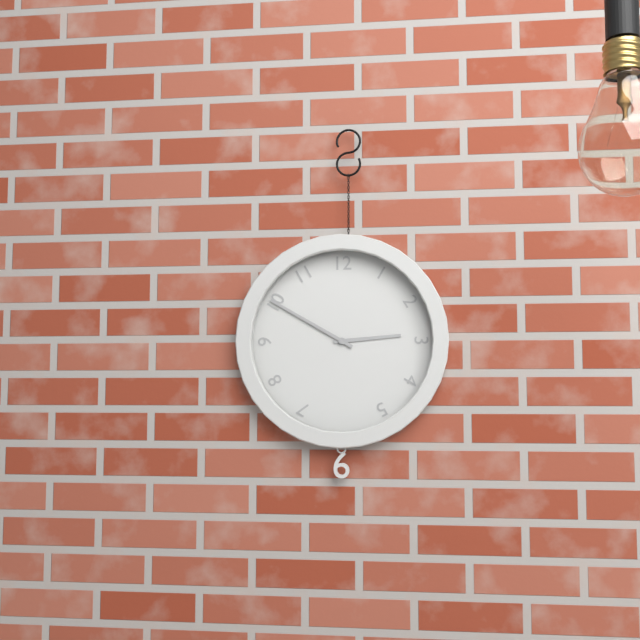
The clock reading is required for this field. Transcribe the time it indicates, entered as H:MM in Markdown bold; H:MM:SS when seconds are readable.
**2:50**
